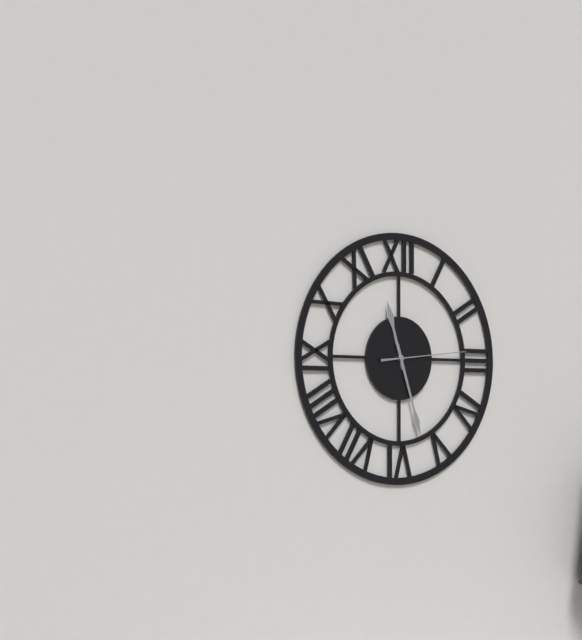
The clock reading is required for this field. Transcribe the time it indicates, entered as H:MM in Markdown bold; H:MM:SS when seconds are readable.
**11:27:14**
